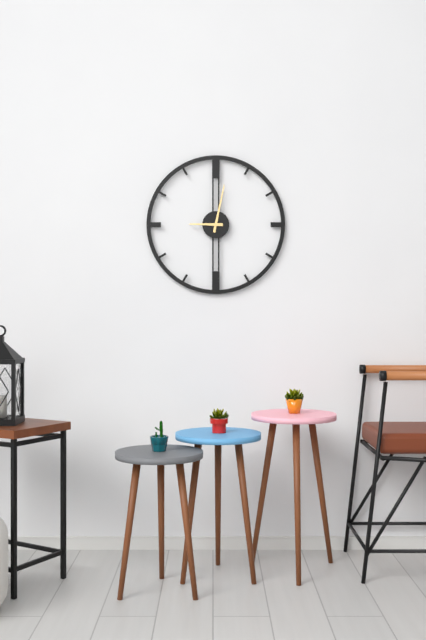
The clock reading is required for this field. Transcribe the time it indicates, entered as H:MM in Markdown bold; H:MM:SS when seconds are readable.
**9:02**
